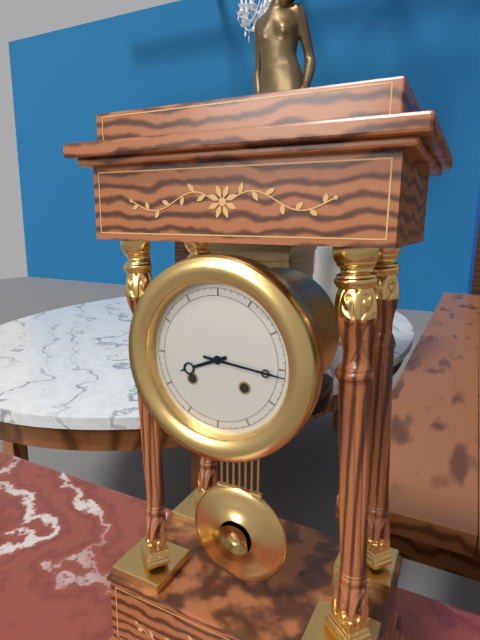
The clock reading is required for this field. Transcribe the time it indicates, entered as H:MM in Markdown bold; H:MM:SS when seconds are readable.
**8:16**
